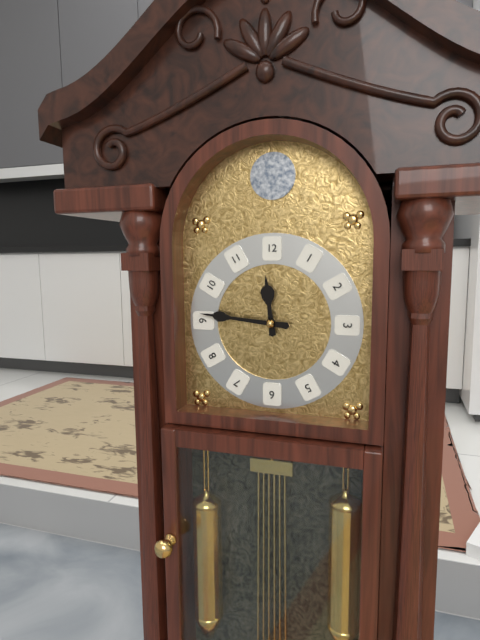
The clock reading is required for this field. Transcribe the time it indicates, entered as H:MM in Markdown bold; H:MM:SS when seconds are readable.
**11:46**
